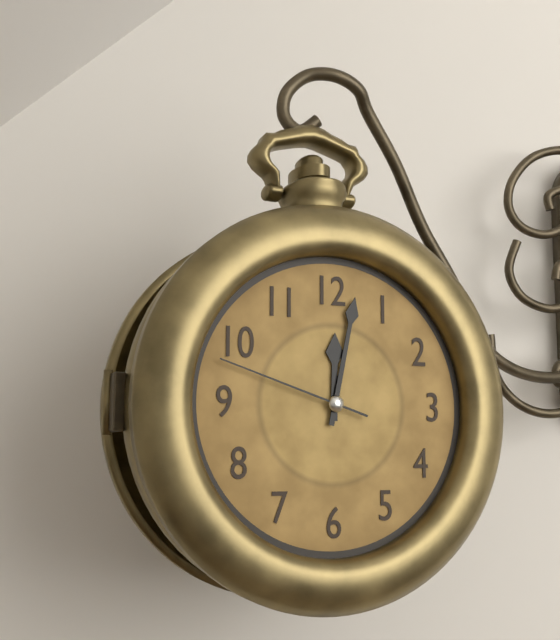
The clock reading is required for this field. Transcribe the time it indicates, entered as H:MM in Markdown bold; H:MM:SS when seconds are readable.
**12:02:48**
